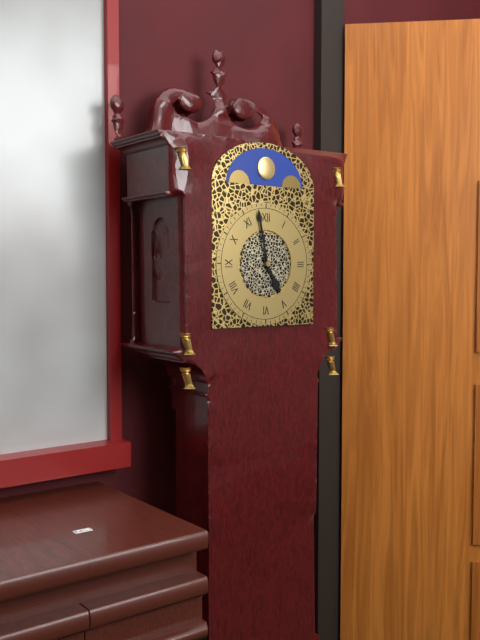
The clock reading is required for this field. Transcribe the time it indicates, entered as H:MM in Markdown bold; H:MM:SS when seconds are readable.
**4:58**
